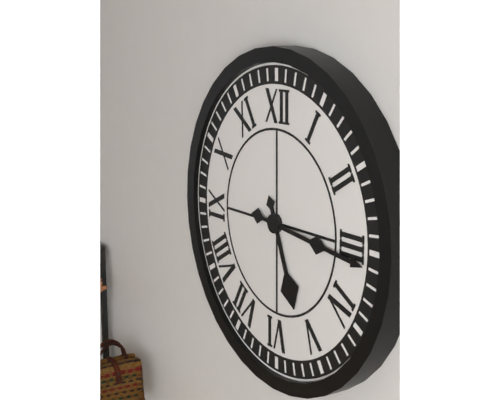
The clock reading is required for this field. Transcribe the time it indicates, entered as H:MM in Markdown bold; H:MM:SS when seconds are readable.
**5:16**
